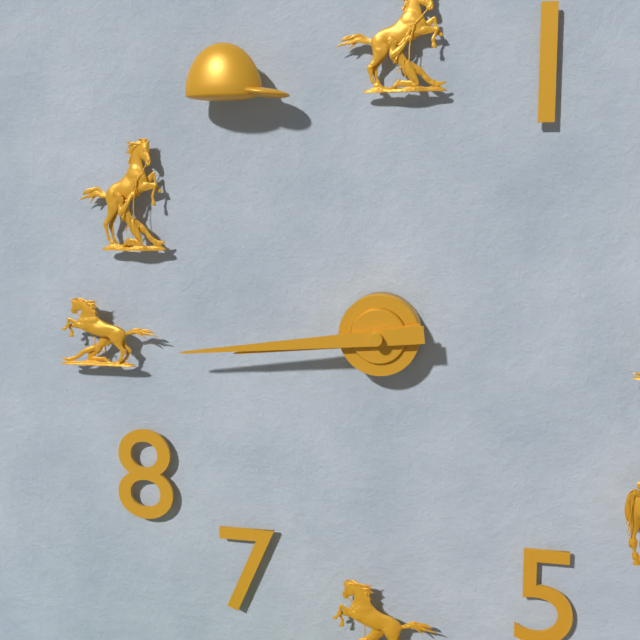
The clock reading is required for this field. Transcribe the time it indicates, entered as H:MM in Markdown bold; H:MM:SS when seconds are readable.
**8:44**
